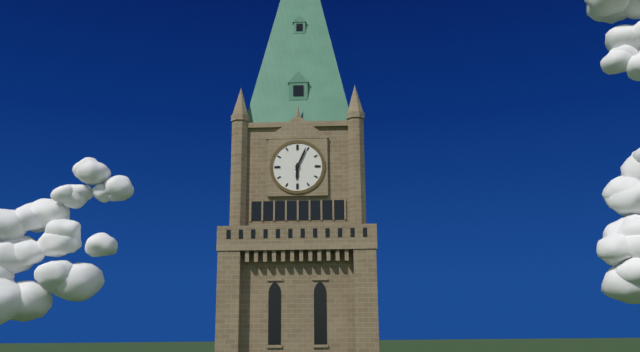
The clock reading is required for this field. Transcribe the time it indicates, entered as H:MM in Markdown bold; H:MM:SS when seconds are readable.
**6:04**
